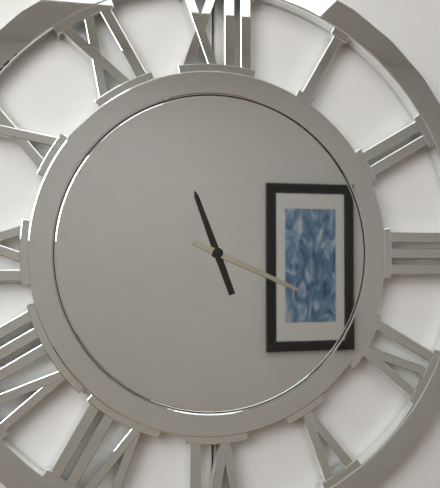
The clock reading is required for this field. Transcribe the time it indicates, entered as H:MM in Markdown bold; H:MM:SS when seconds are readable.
**11:19**
